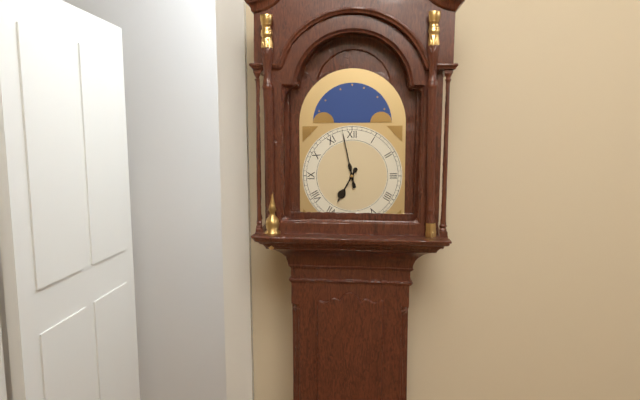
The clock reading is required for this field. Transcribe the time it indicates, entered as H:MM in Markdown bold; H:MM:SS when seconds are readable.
**6:58**
